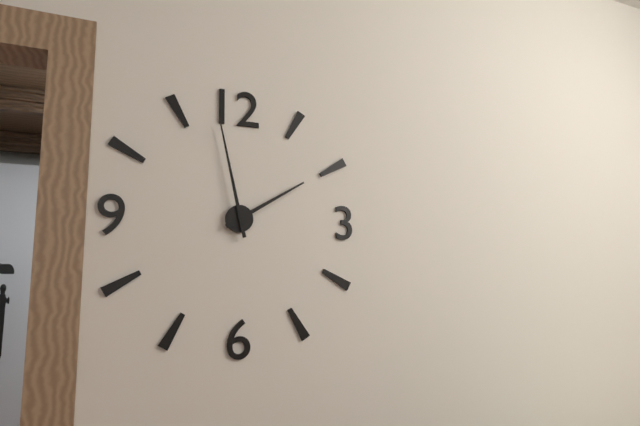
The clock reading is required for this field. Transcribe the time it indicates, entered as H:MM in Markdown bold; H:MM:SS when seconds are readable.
**1:58**
